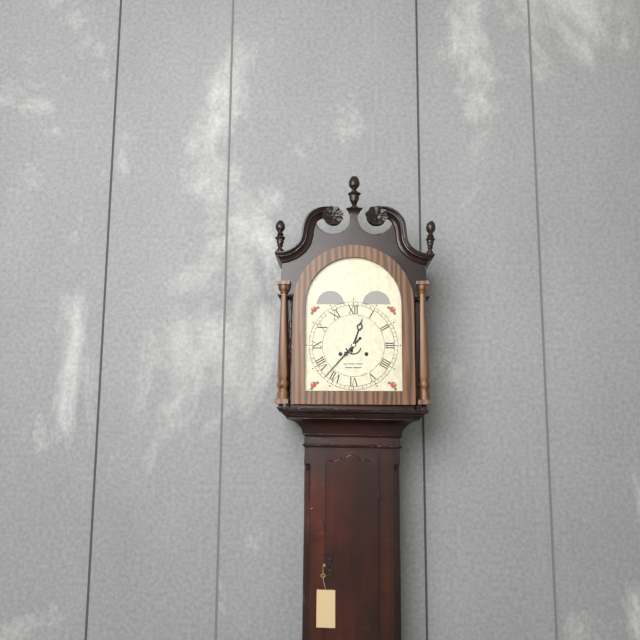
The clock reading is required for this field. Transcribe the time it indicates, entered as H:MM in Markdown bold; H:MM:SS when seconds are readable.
**12:37**
